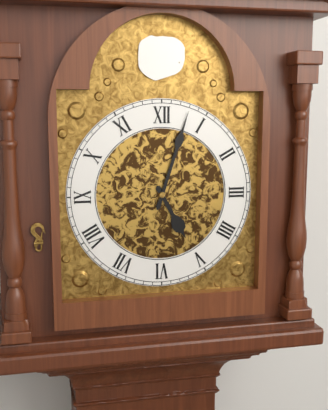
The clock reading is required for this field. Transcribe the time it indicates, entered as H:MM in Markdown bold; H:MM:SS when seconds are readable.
**5:03**
